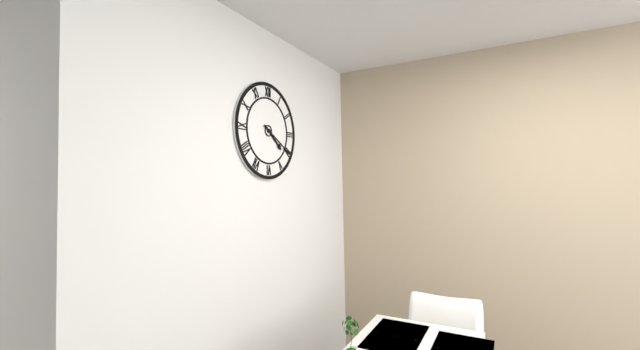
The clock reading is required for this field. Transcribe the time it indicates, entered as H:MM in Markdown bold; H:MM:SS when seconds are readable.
**4:20**
